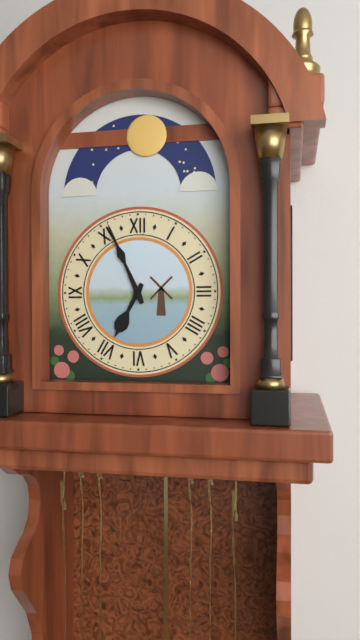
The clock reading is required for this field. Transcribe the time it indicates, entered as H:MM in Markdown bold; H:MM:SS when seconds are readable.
**6:56**
